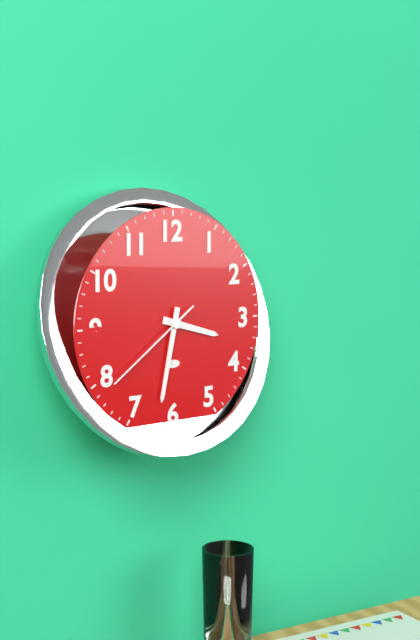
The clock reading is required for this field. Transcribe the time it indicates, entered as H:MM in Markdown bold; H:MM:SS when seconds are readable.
**3:32:39**
